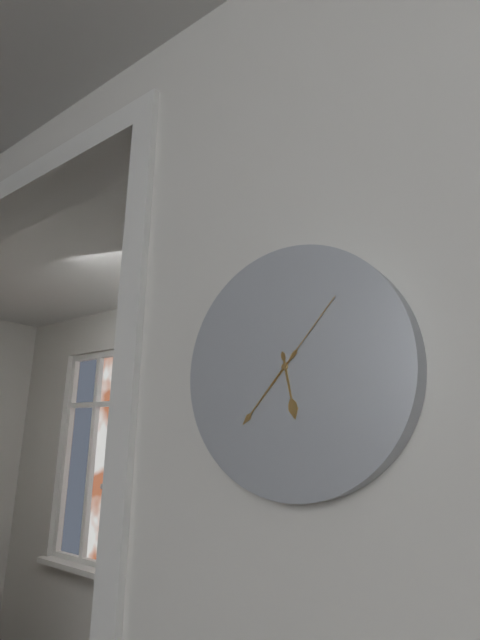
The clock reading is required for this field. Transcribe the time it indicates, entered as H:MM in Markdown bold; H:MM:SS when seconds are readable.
**5:37:07**
